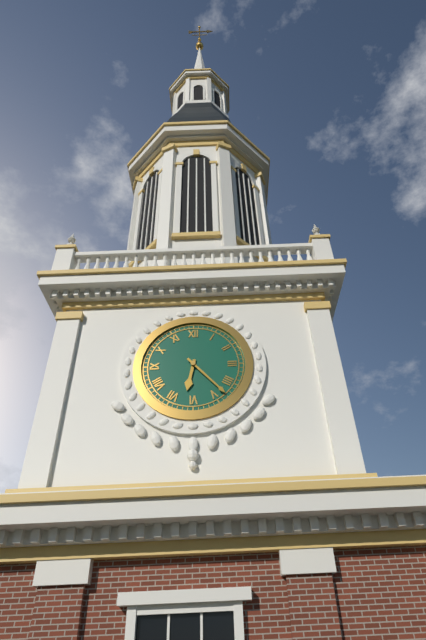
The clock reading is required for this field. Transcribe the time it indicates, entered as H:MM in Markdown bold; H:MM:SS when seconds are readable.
**6:23**
